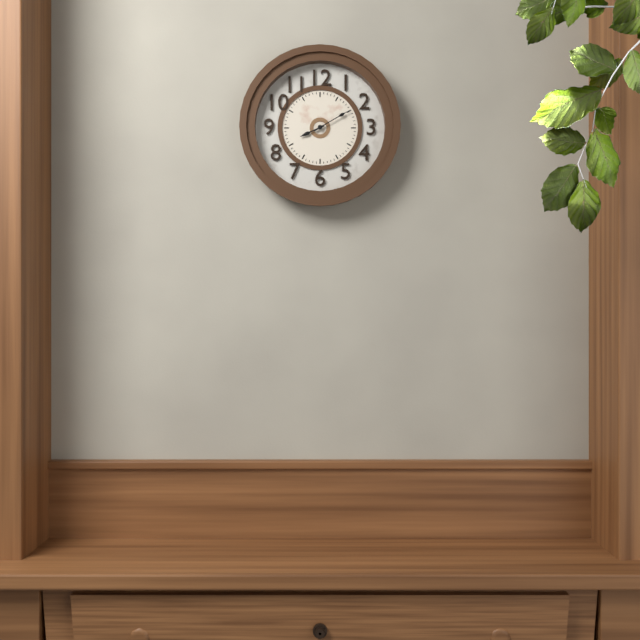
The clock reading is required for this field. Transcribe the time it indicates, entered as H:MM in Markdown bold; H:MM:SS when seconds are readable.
**8:10**
